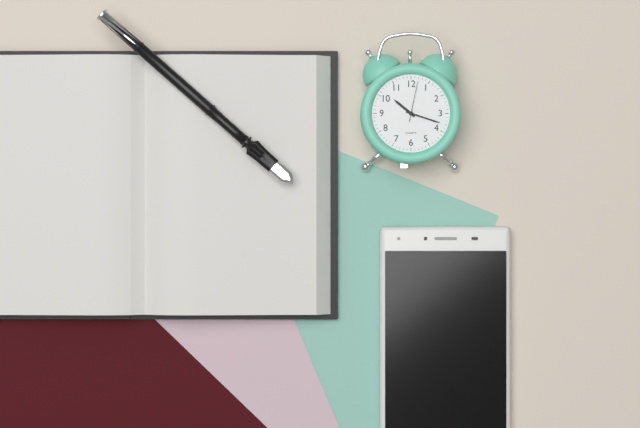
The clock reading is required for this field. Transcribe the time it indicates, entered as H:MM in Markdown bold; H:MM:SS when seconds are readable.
**10:18**
